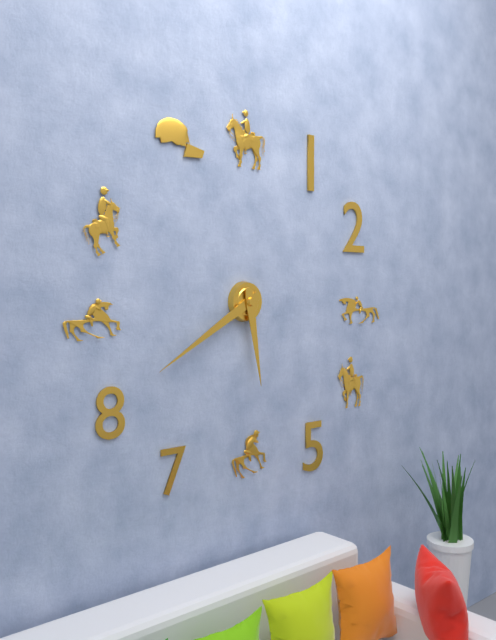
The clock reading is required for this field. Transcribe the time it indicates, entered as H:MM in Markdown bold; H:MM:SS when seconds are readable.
**5:40**
